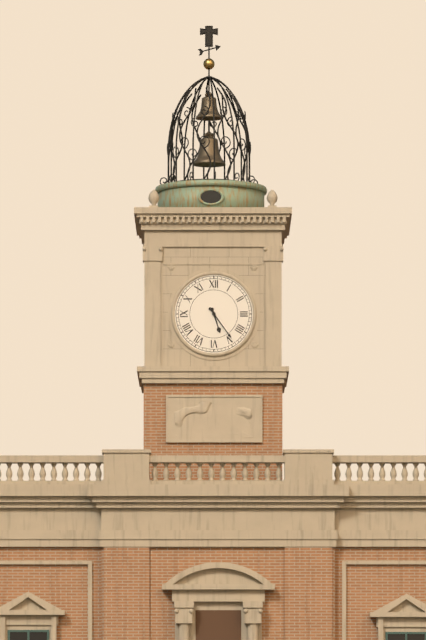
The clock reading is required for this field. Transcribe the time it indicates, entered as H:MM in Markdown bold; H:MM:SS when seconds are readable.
**5:24**
